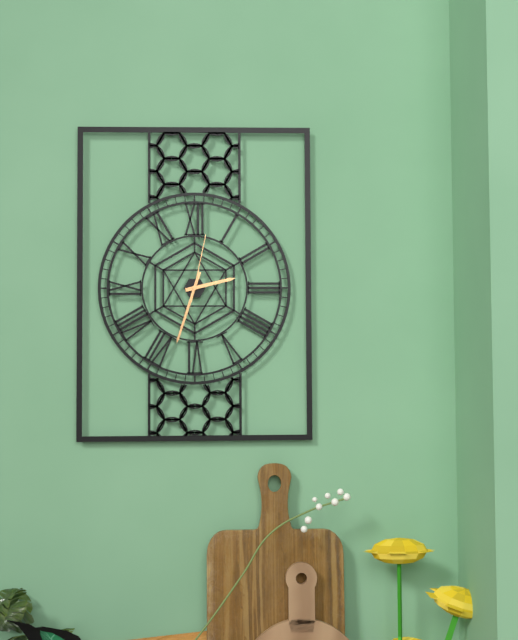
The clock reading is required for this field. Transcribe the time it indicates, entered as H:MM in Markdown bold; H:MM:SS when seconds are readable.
**2:33:02**
